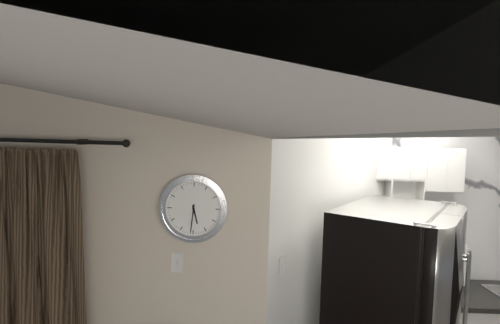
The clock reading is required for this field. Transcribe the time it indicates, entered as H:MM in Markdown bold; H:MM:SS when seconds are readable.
**5:31**
